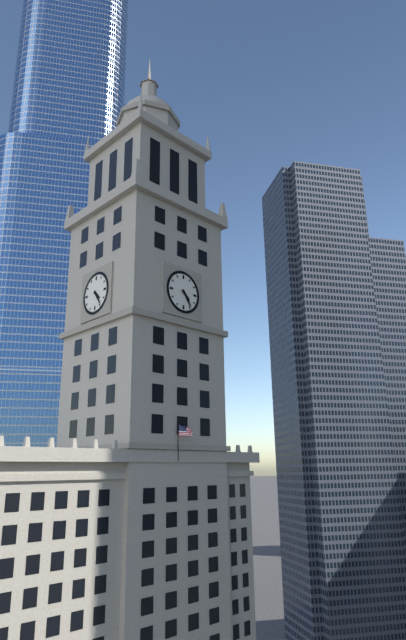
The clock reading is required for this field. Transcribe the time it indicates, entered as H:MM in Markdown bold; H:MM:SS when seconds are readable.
**4:24**
